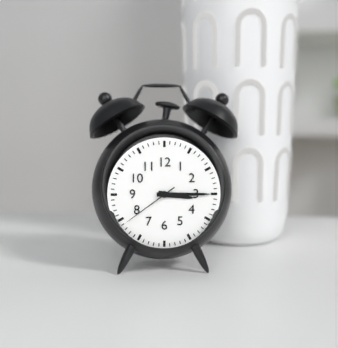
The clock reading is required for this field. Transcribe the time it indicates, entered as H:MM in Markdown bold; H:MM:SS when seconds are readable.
**3:15:39**
